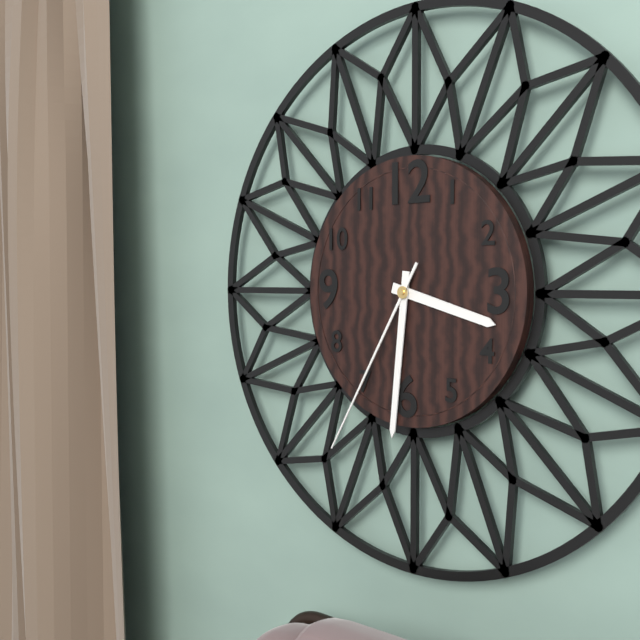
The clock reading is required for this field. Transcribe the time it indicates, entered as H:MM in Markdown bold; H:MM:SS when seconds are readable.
**3:31:35**
